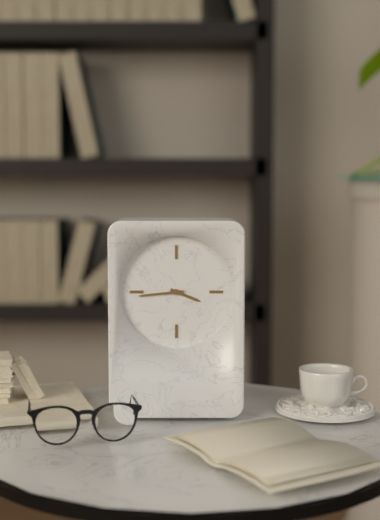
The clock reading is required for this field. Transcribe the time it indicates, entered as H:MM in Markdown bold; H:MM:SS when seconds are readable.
**3:44**
